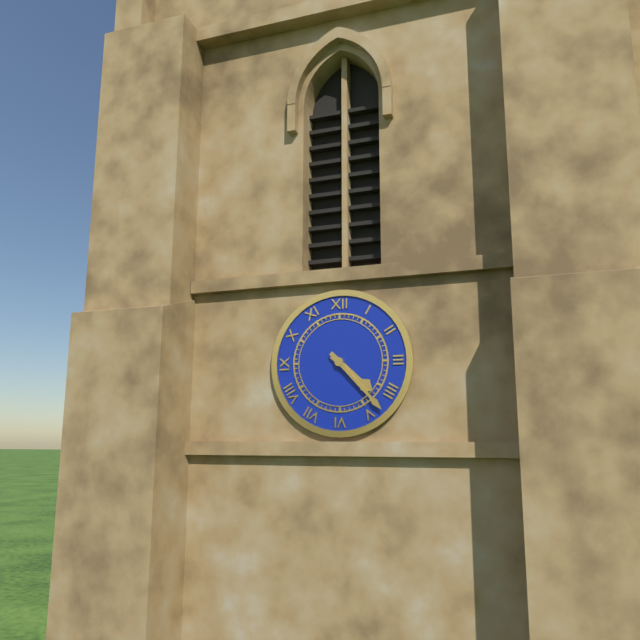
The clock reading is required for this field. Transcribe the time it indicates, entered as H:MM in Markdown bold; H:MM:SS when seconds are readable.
**4:23**
